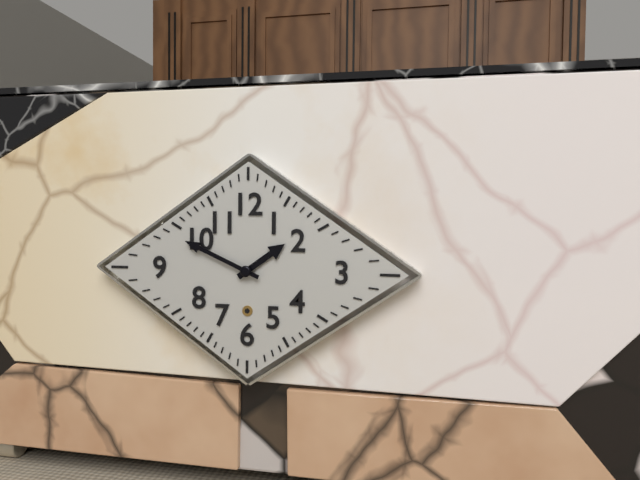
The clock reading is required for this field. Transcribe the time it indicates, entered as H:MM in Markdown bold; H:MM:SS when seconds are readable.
**1:49**
